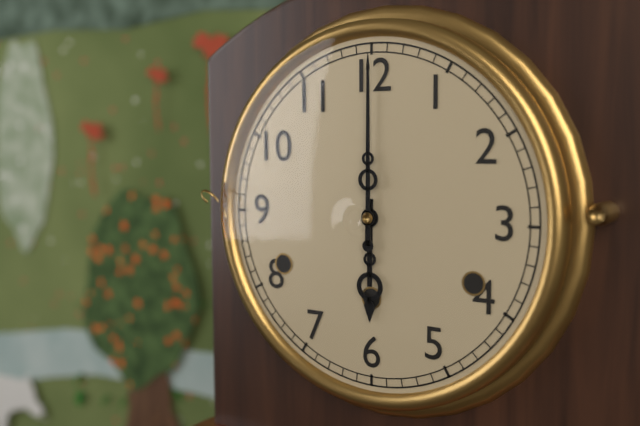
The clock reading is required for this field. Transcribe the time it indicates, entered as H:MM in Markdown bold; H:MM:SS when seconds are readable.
**6:00**
